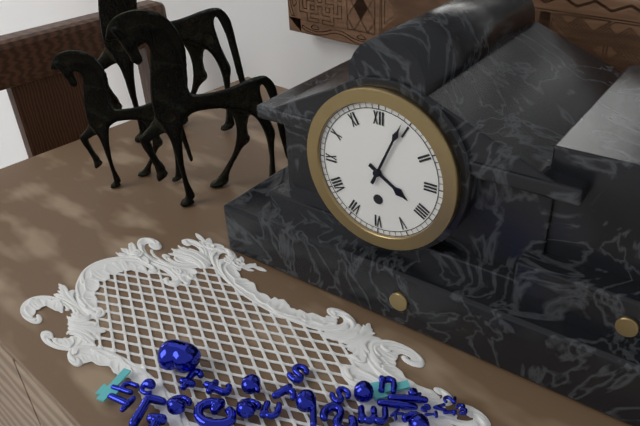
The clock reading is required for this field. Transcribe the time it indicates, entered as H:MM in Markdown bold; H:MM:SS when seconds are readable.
**4:04**
